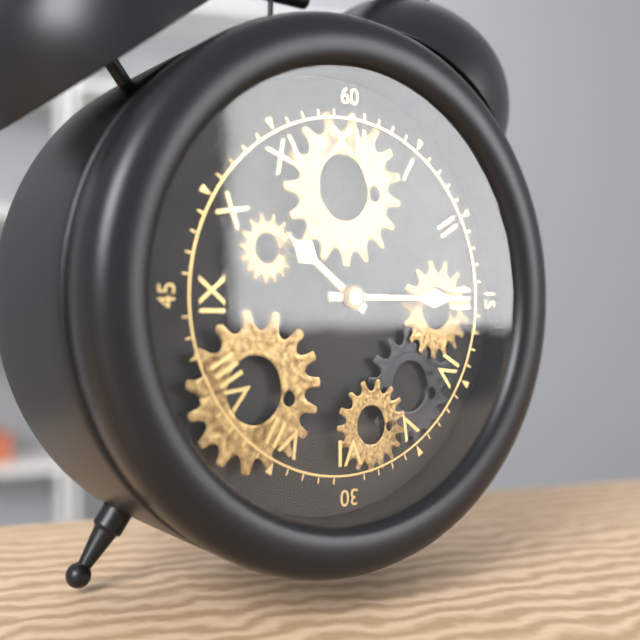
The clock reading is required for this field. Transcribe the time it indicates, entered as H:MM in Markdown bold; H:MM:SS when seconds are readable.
**10:15**
